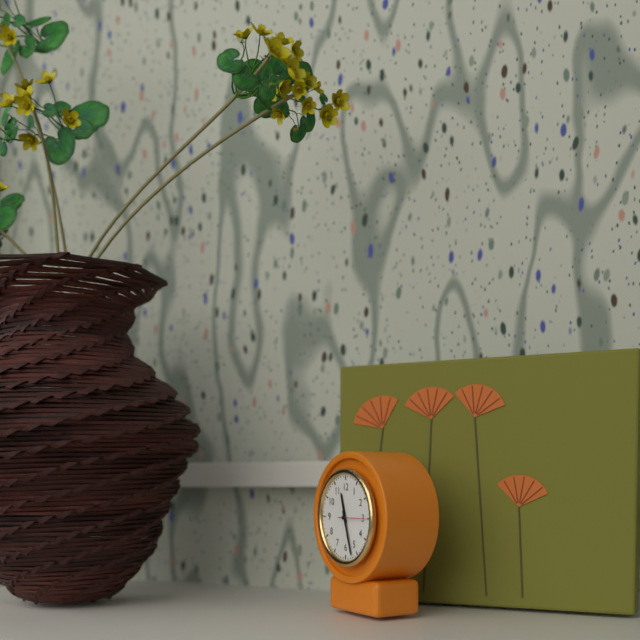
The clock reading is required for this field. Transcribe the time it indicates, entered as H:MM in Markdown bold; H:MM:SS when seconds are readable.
**11:27**
